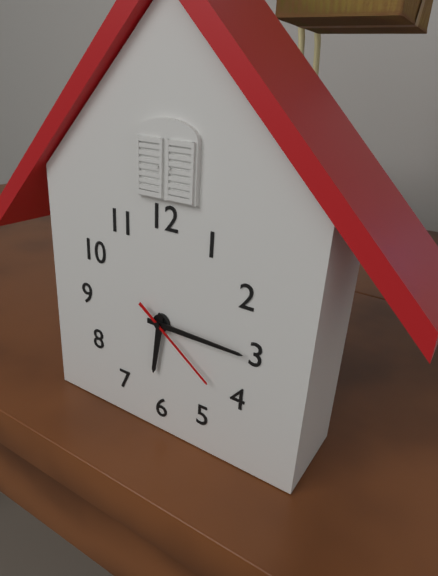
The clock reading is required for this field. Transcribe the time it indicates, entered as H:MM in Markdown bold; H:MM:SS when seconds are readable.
**6:15:21**
